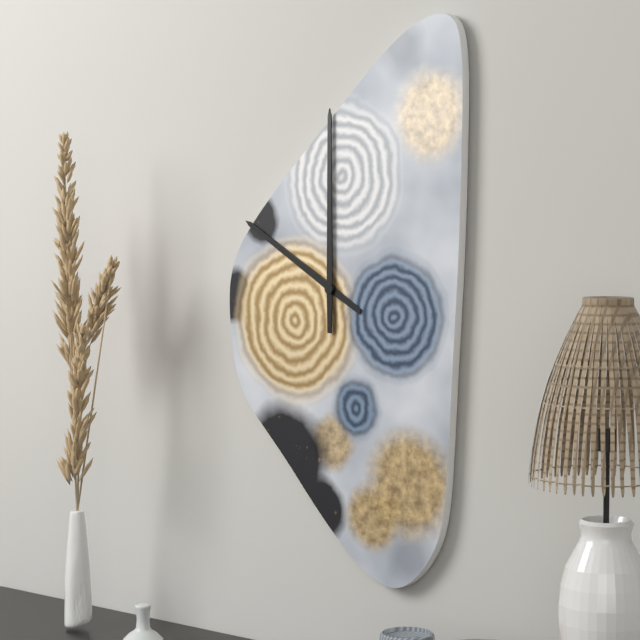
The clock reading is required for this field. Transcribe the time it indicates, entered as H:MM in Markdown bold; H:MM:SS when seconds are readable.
**10:00**
